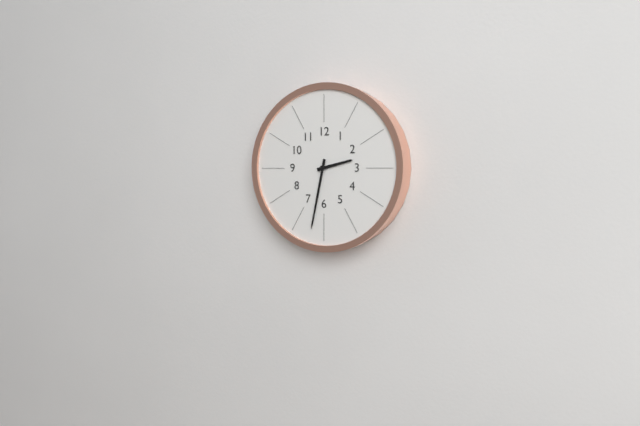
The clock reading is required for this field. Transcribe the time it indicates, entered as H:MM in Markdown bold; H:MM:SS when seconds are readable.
**2:32**
